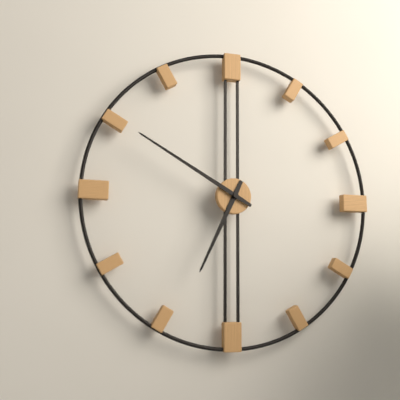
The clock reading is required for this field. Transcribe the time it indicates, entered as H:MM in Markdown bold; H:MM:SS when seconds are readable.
**6:50**
